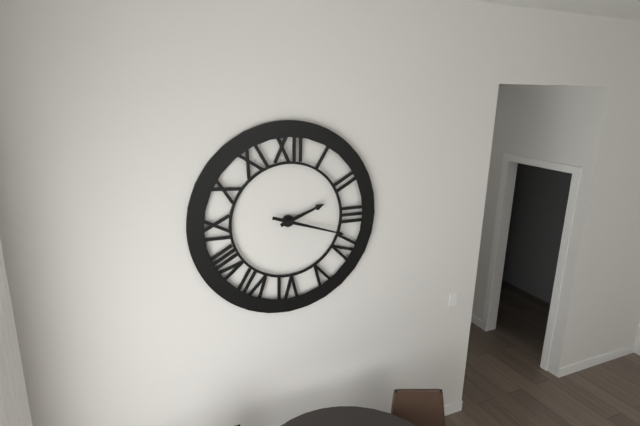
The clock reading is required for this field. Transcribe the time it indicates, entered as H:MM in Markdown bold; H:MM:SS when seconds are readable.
**2:18**
